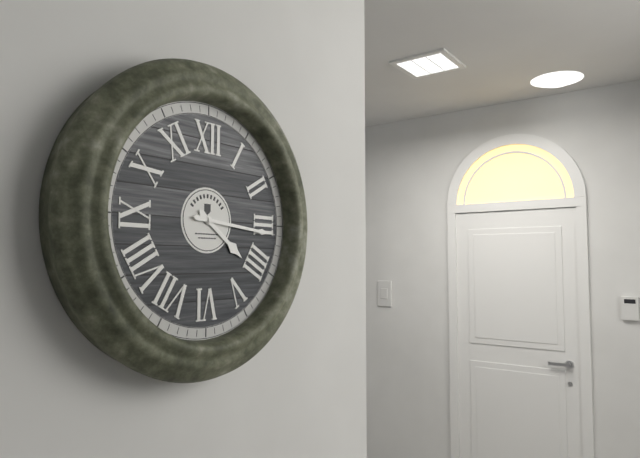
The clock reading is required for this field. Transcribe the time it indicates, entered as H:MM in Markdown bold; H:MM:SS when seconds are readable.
**4:16**
